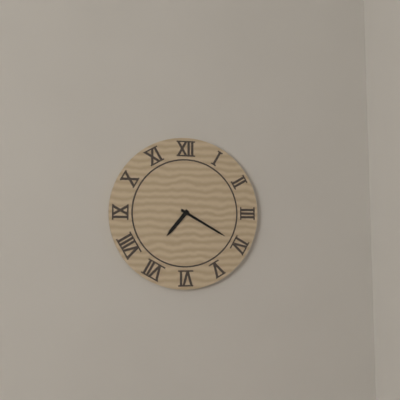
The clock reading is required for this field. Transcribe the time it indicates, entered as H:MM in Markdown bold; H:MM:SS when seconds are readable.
**7:20**
